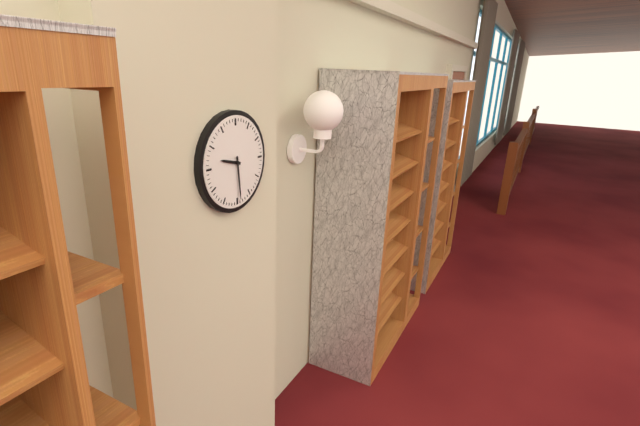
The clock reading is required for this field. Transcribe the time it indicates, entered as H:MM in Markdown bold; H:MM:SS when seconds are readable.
**9:29**
